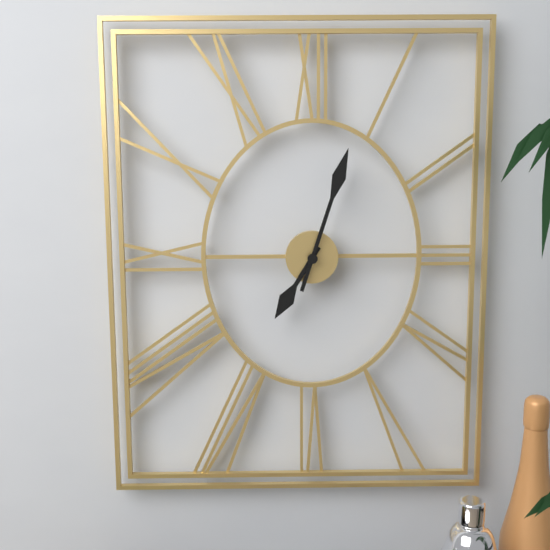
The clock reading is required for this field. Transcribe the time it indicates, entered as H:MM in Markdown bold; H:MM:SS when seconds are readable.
**7:03**
